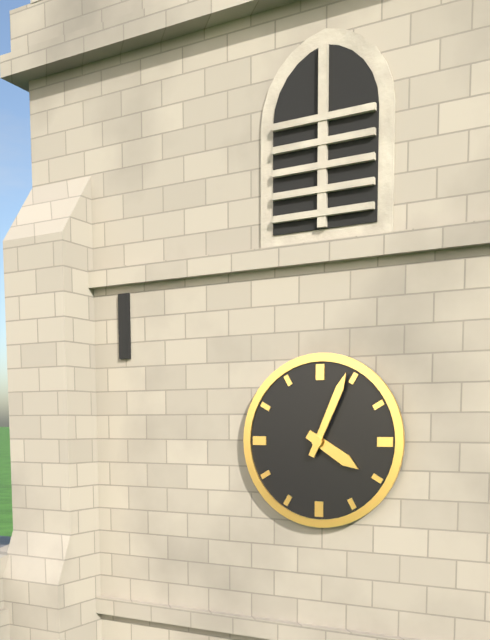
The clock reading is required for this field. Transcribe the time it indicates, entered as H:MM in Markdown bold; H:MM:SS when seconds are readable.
**4:04**
